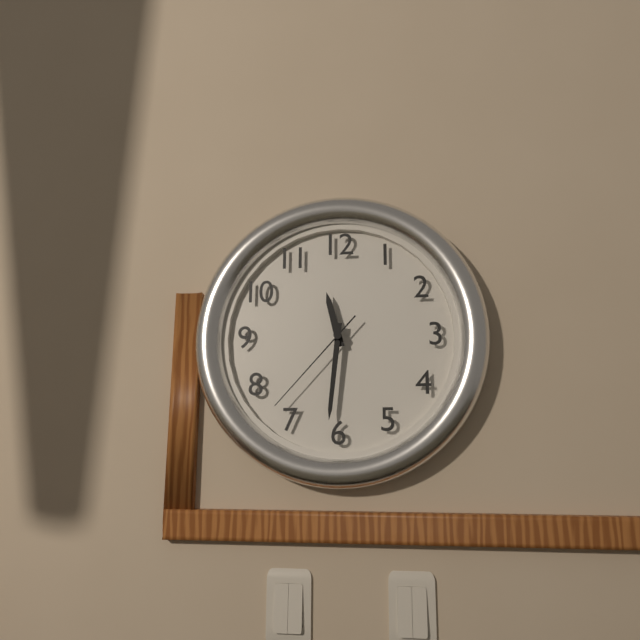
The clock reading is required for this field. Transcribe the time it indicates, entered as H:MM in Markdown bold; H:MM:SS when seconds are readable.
**11:31:37**
